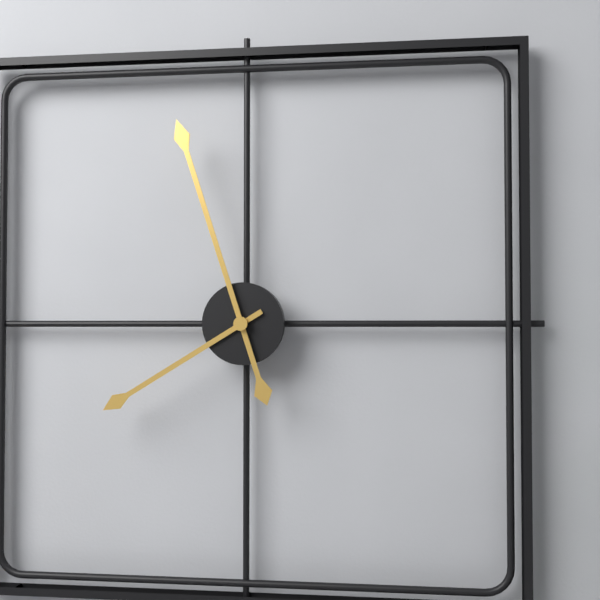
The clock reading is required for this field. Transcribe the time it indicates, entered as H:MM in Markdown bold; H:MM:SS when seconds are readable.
**7:57**
